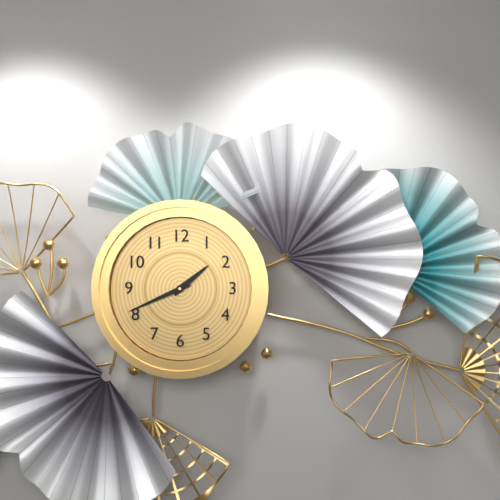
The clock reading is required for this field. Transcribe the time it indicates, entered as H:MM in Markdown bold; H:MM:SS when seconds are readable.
**1:41**
